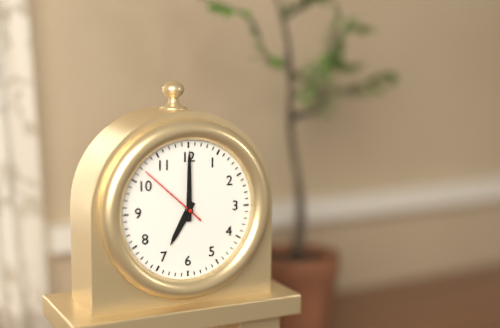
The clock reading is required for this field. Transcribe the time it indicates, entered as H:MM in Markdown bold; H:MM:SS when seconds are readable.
**7:00:52**
